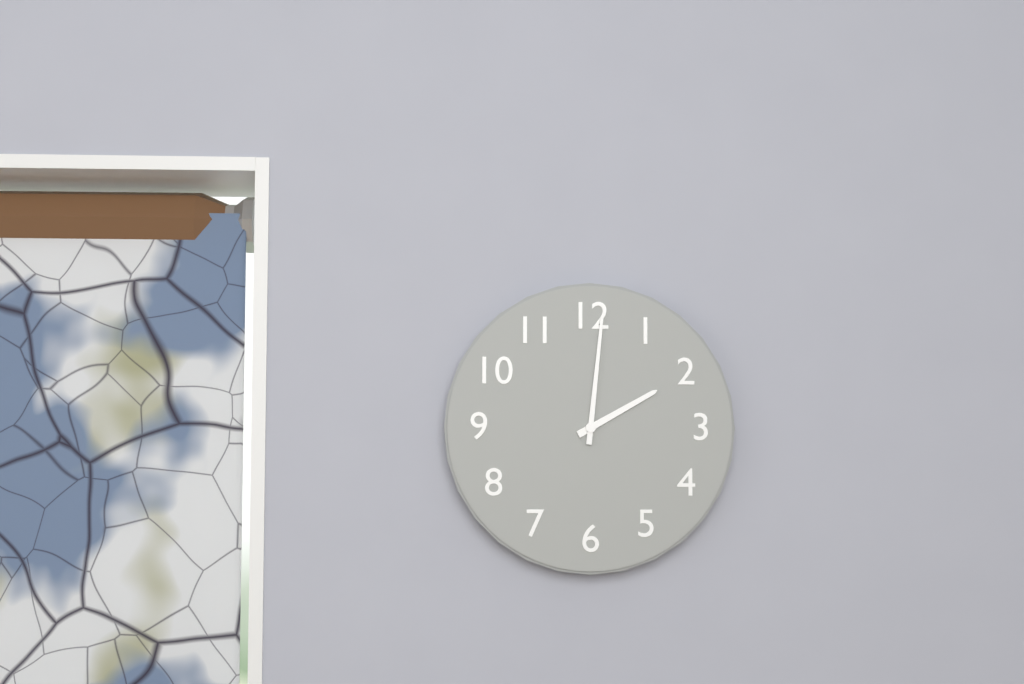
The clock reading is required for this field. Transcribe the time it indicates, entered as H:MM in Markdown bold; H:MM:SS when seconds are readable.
**2:01**
